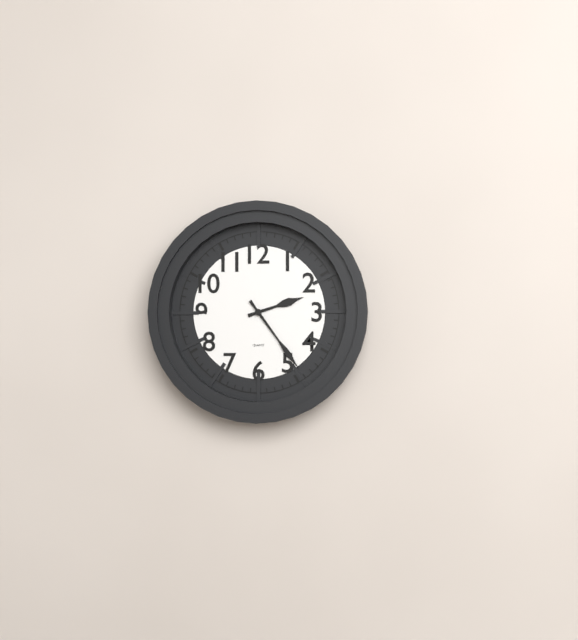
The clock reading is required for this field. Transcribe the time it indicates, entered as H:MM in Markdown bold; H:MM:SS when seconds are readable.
**2:24**
